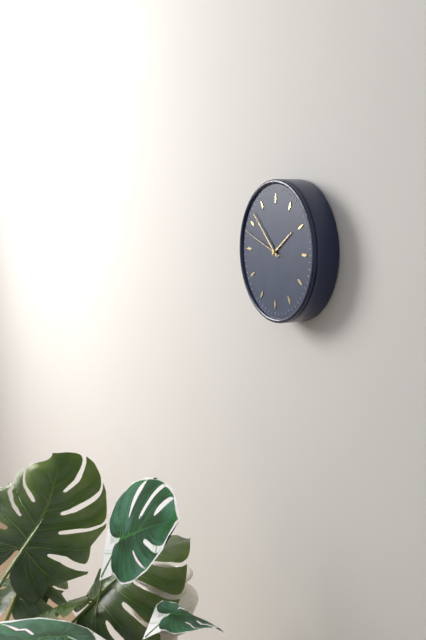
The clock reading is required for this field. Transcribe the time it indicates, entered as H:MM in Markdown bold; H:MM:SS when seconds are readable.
**1:52**
